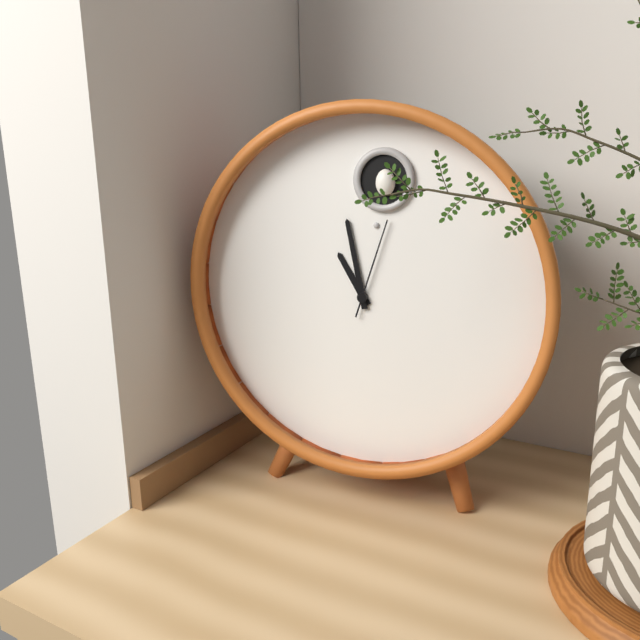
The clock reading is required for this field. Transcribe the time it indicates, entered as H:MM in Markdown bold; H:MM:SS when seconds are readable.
**10:58:03**
